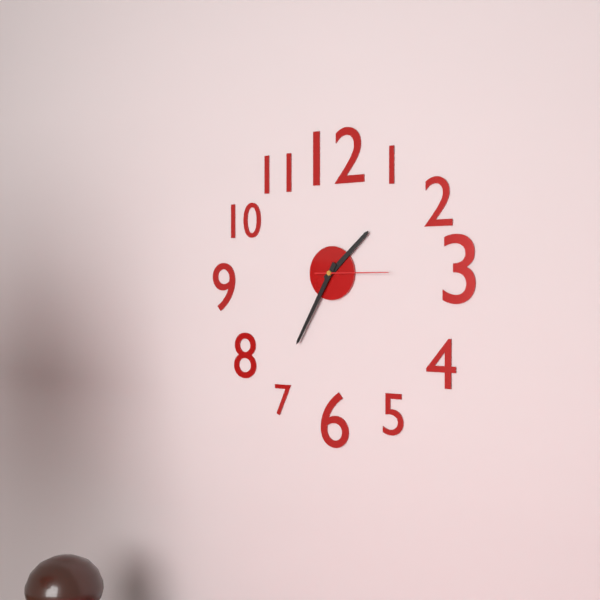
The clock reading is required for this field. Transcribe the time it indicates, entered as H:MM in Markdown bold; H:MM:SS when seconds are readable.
**1:35:15**
